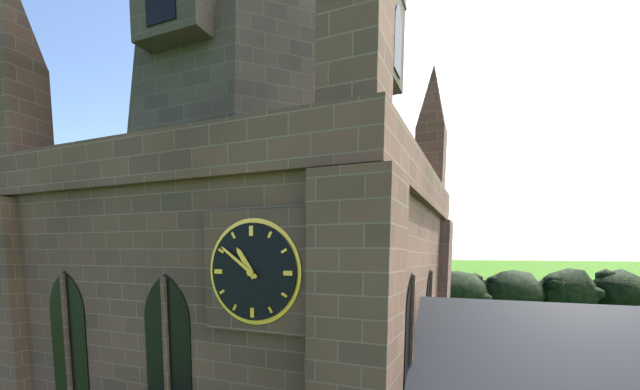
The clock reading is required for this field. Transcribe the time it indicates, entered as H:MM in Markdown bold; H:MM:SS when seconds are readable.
**10:51**
